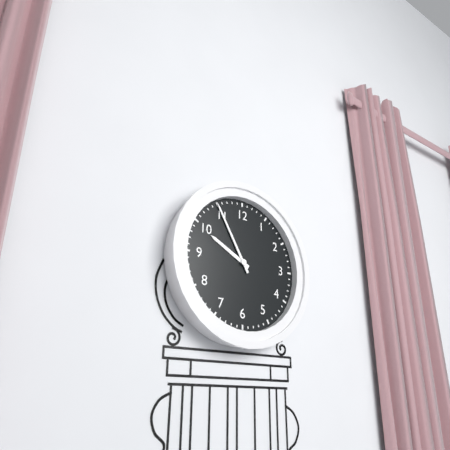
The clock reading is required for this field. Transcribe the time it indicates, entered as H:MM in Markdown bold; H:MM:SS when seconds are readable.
**9:55**
